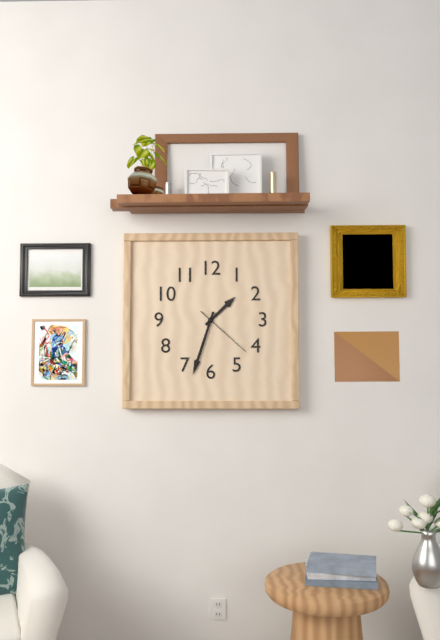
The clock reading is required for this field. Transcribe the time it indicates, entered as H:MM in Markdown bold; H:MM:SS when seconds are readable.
**1:33:22**
